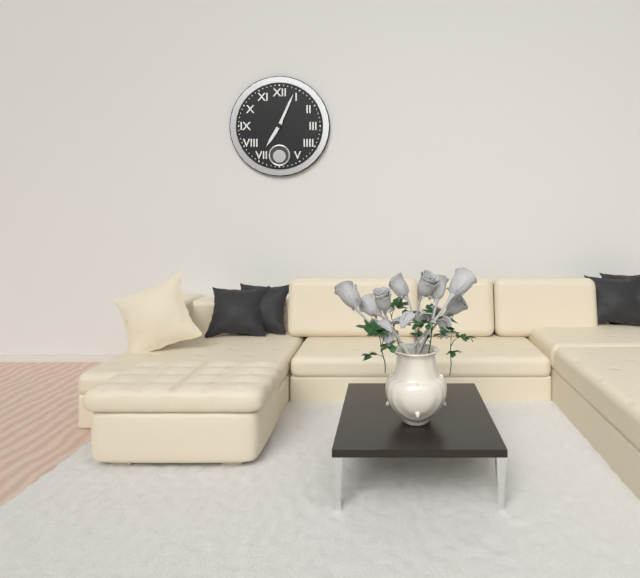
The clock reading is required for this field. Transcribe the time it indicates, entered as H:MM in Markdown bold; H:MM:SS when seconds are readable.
**7:04**
